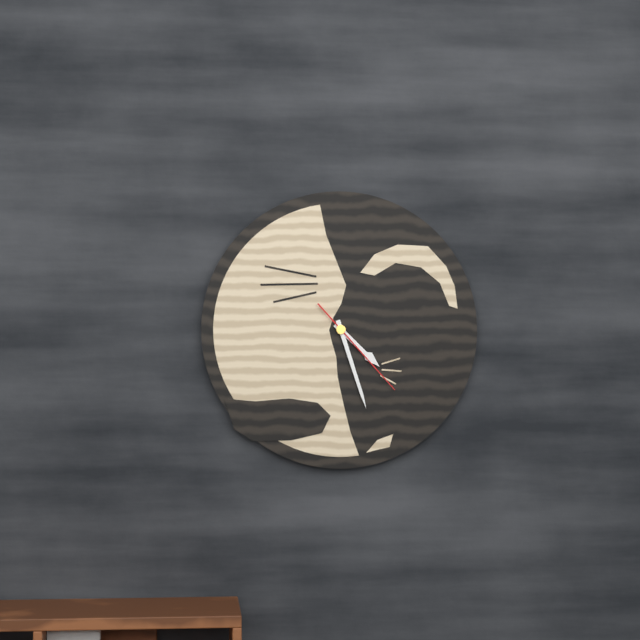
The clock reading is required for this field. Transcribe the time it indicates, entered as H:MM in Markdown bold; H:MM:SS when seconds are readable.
**4:27:23**
